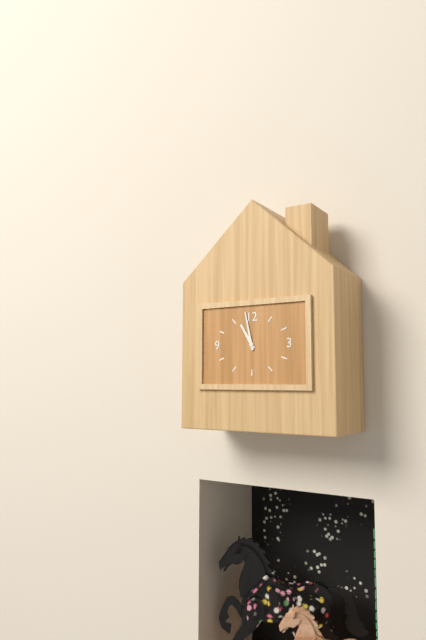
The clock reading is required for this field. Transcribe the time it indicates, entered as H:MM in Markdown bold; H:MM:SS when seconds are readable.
**10:58**
